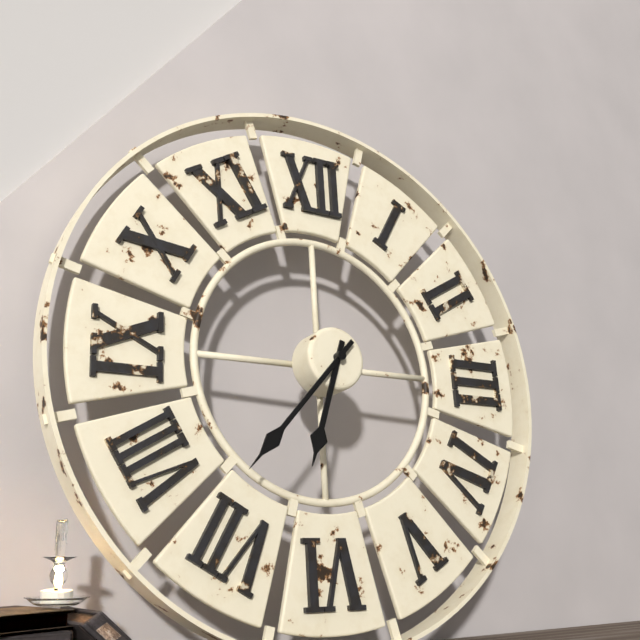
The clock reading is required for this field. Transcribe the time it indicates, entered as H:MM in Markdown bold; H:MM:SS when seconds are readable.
**6:37**
